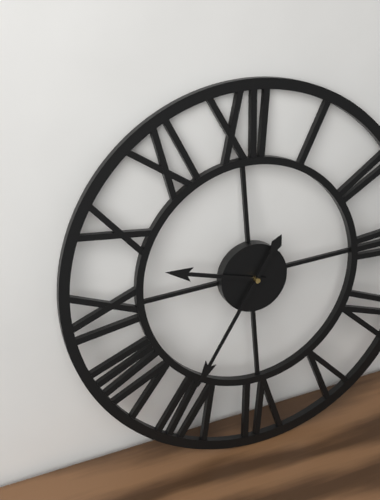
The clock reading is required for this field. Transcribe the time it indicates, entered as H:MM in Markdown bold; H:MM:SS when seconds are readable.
**9:36**
